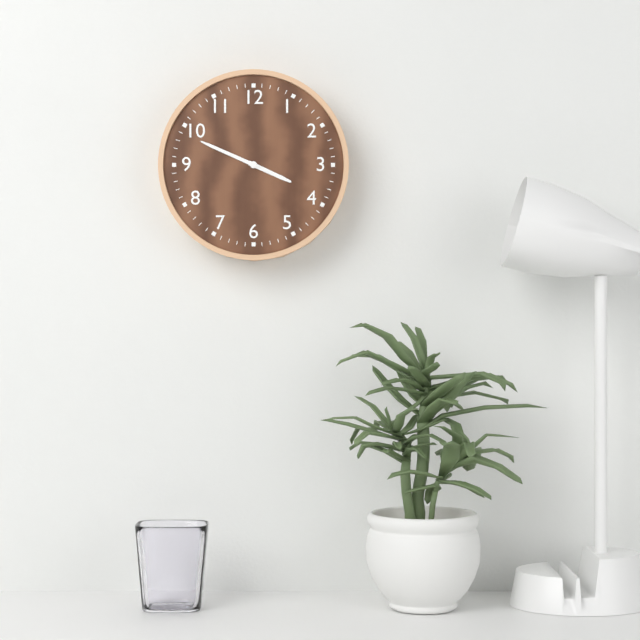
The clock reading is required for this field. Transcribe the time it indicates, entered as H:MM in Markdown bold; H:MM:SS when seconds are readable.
**3:49**
